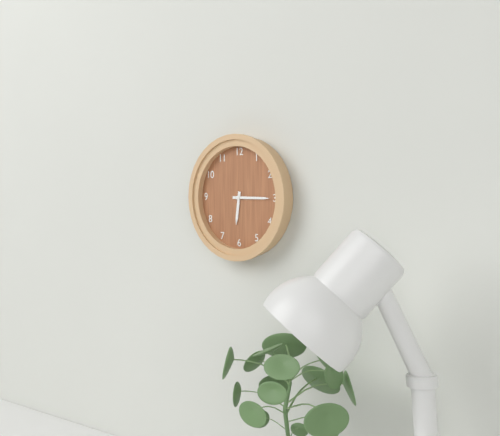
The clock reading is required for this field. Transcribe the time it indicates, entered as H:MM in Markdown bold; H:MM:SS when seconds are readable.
**6:15**
